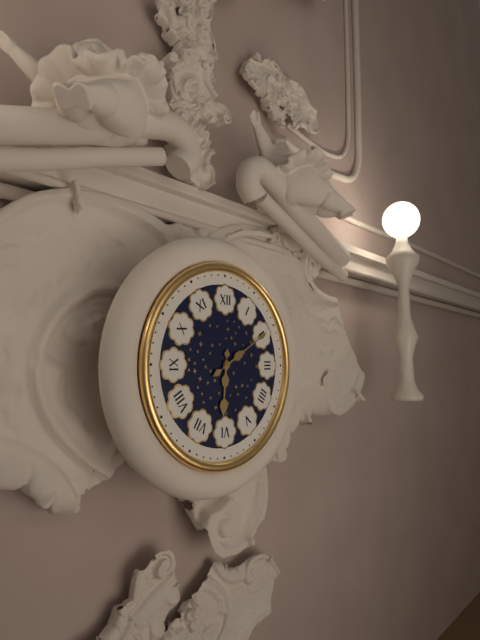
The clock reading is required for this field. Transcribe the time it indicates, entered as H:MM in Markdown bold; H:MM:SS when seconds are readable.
**6:10**
